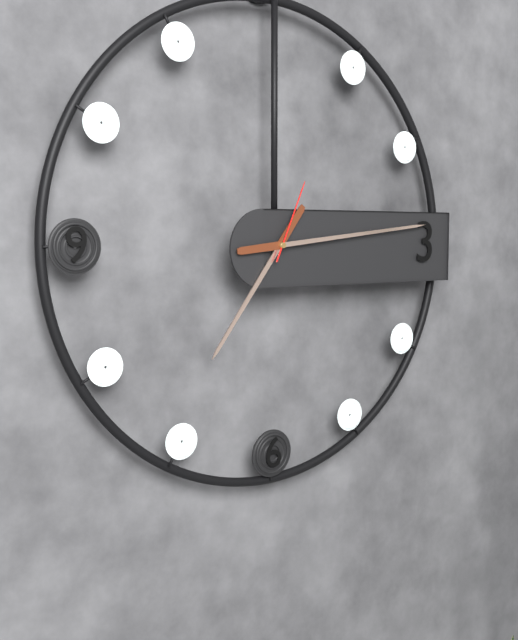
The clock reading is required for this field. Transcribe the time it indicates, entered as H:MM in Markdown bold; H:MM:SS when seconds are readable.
**7:14:04**
